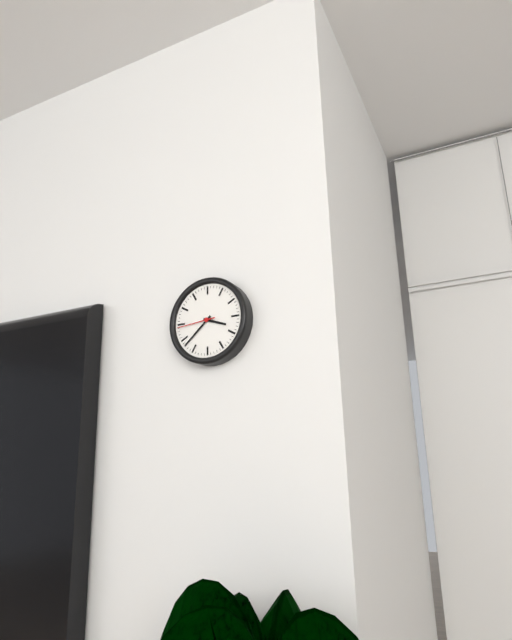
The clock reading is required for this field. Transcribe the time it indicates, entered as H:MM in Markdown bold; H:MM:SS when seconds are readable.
**3:38**
